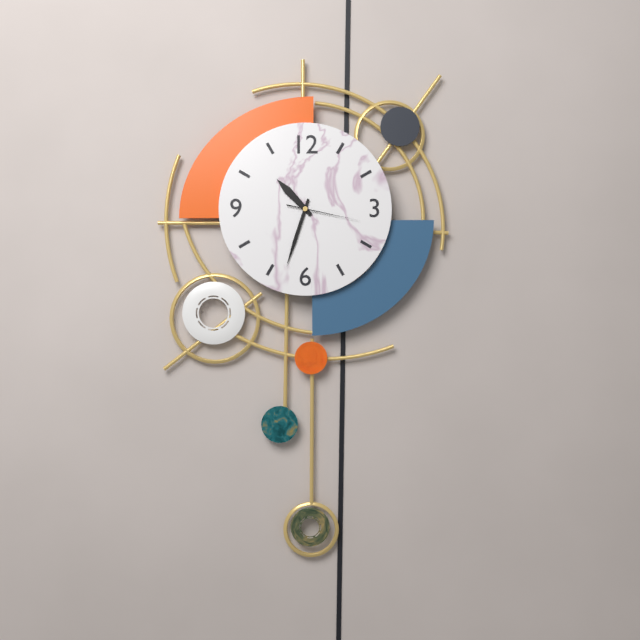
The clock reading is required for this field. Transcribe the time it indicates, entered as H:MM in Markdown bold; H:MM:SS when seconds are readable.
**10:33:17**
